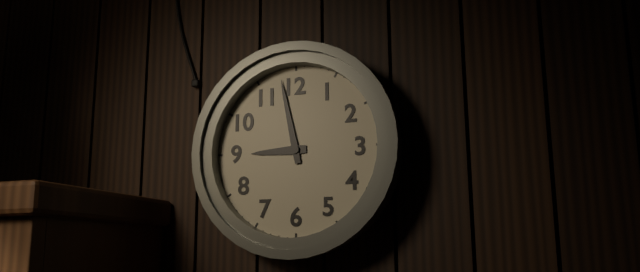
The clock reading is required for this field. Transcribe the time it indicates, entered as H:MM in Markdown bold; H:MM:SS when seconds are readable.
**8:58**
